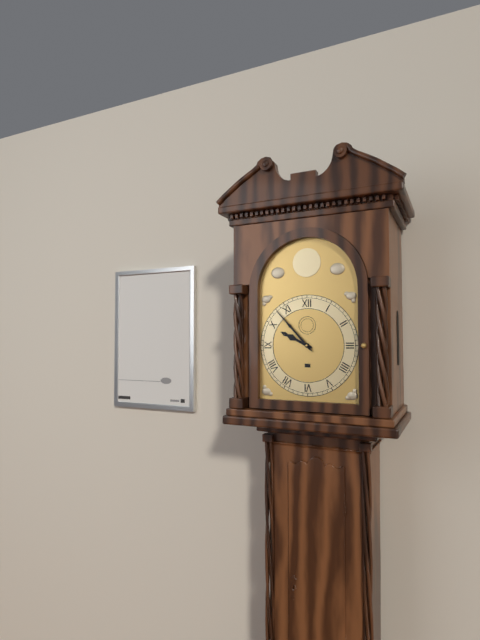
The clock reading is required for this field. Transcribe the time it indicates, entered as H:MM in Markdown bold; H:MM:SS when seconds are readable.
**9:53**
